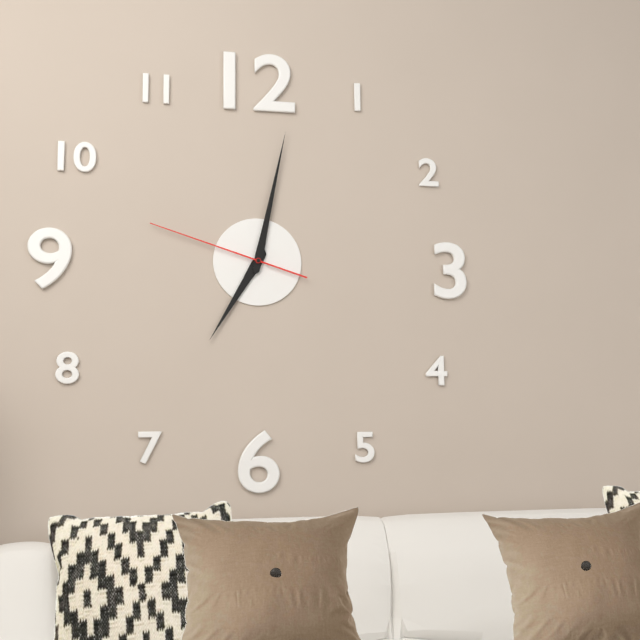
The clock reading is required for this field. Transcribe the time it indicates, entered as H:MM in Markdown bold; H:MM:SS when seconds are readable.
**7:02:48**
